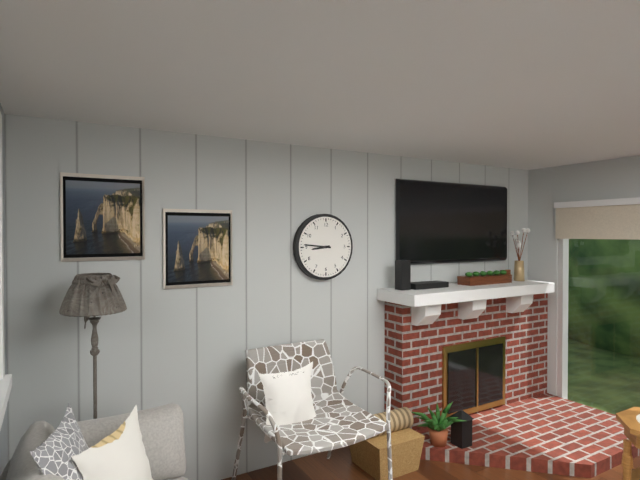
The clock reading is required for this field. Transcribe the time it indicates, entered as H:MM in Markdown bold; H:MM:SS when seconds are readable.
**8:46**
